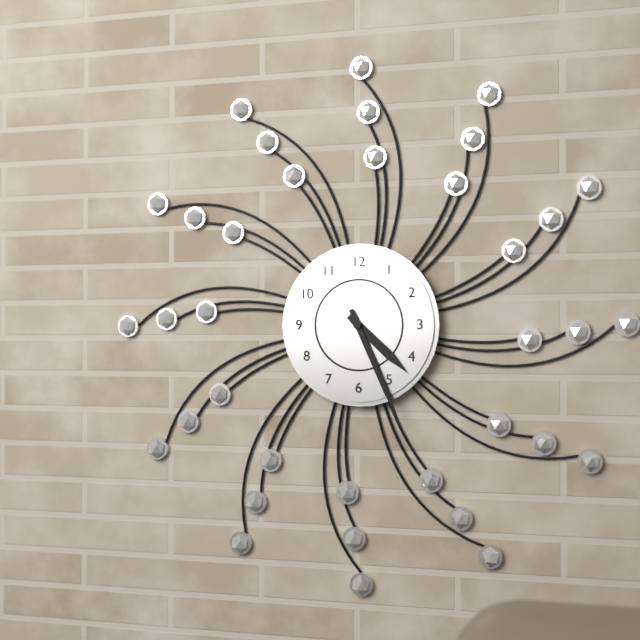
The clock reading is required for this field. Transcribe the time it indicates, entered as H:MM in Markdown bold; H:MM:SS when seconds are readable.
**4:26**
